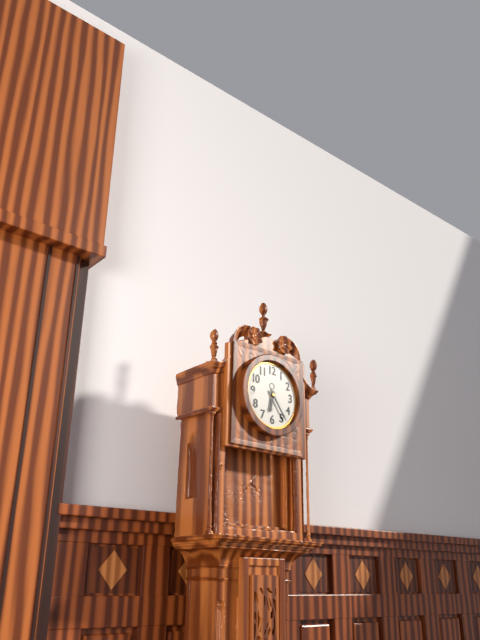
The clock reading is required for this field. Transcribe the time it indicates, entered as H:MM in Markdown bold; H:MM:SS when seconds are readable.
**6:24**
